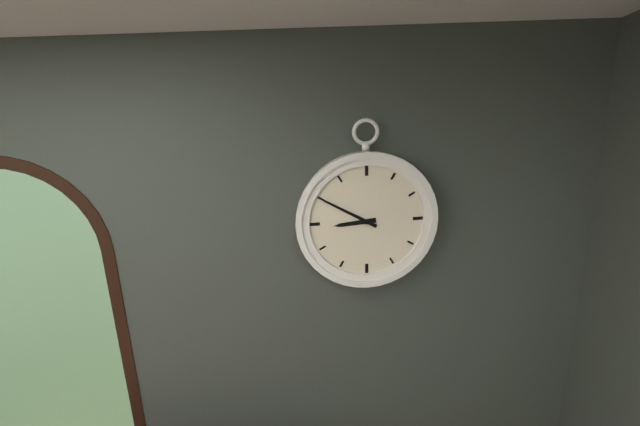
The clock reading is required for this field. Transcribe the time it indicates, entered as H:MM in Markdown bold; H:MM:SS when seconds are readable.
**8:50**
